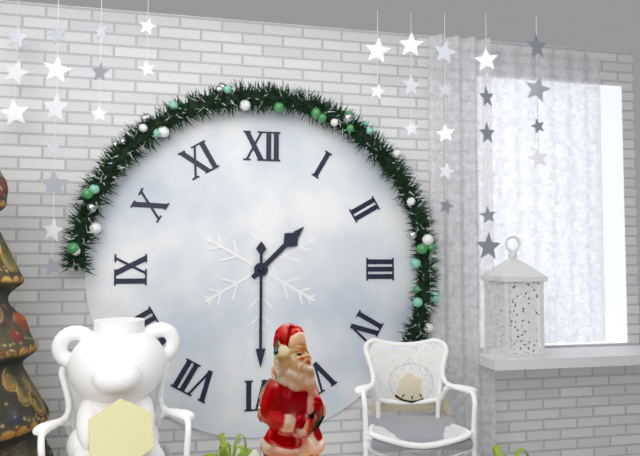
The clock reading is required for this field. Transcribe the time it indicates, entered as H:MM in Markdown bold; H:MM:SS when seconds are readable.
**1:30**
